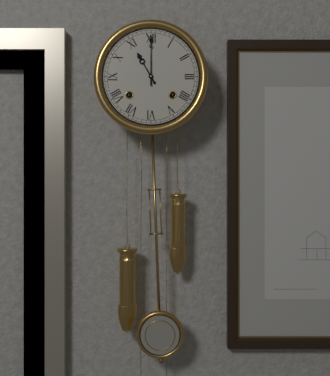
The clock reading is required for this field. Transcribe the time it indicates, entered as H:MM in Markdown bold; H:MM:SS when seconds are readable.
**11:00**
